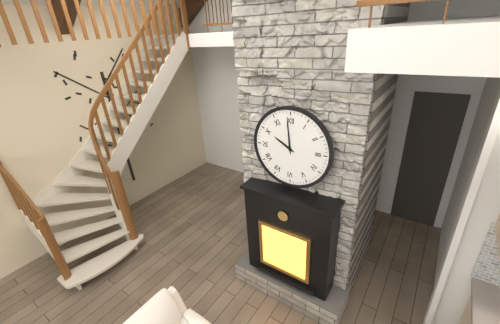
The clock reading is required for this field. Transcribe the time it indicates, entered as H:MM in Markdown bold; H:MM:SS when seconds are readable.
**9:59**
